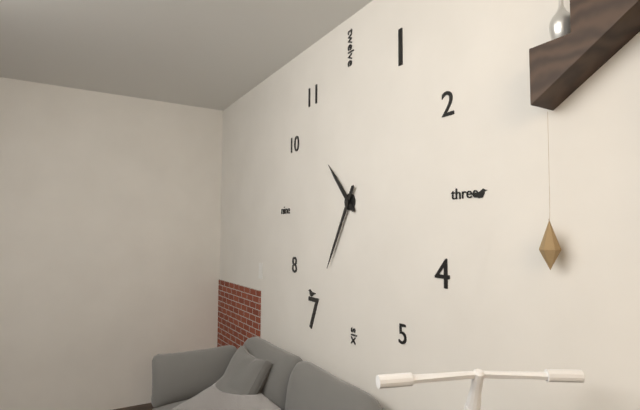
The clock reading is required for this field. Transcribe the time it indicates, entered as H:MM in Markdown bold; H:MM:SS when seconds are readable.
**10:35**
